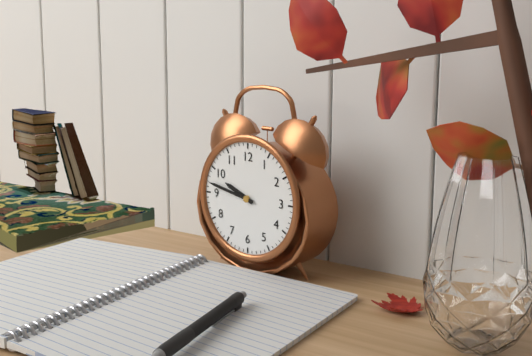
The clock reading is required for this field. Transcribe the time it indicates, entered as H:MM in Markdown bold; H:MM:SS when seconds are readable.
**9:47**
